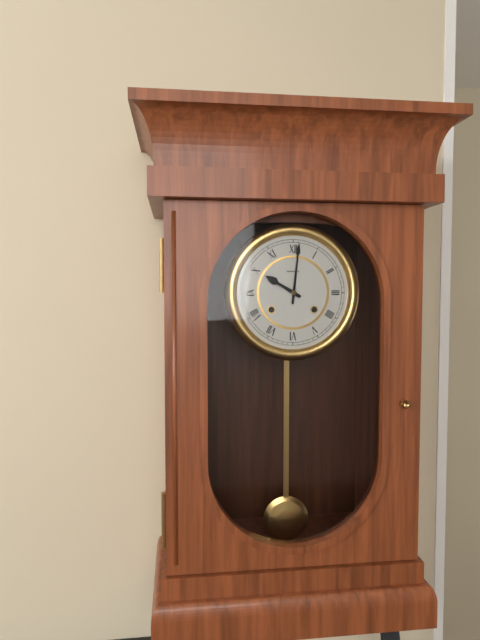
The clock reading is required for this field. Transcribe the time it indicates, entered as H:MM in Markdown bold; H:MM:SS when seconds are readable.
**10:01**
